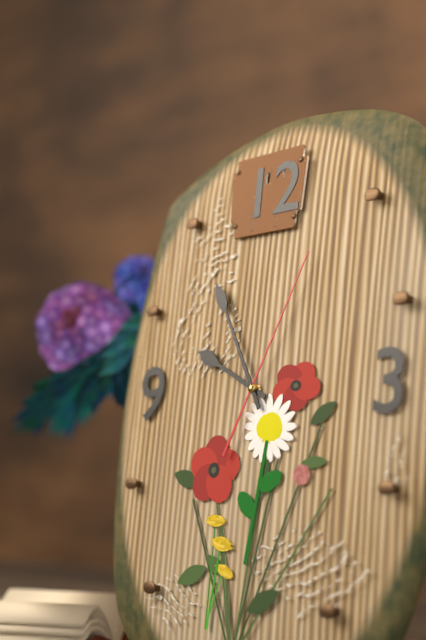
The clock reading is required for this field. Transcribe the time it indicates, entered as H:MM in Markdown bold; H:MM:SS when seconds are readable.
**9:55:04**
